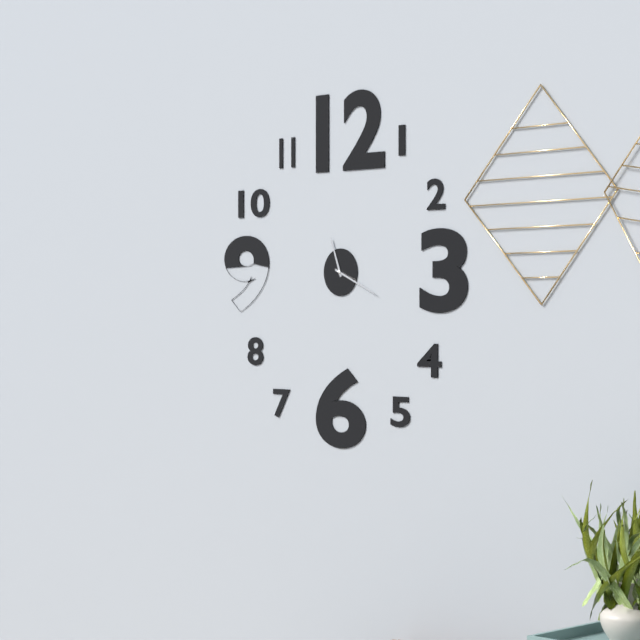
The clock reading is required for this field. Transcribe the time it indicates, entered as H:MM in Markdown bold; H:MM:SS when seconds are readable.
**11:19**
